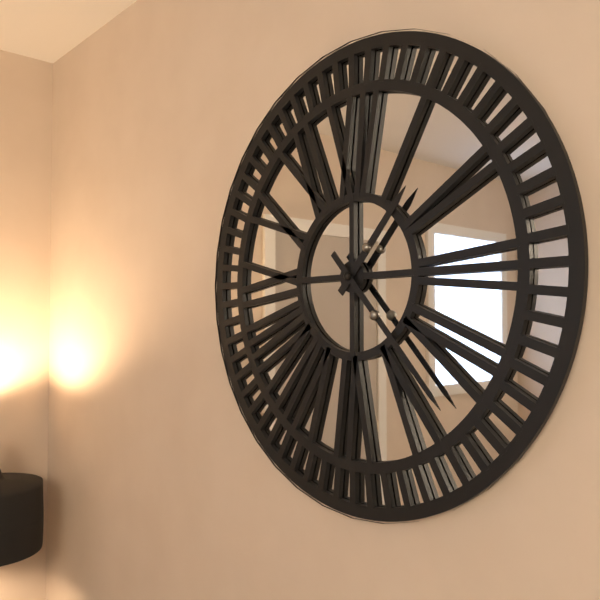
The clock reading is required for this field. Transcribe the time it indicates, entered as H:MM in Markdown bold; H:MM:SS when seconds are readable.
**1:23**
